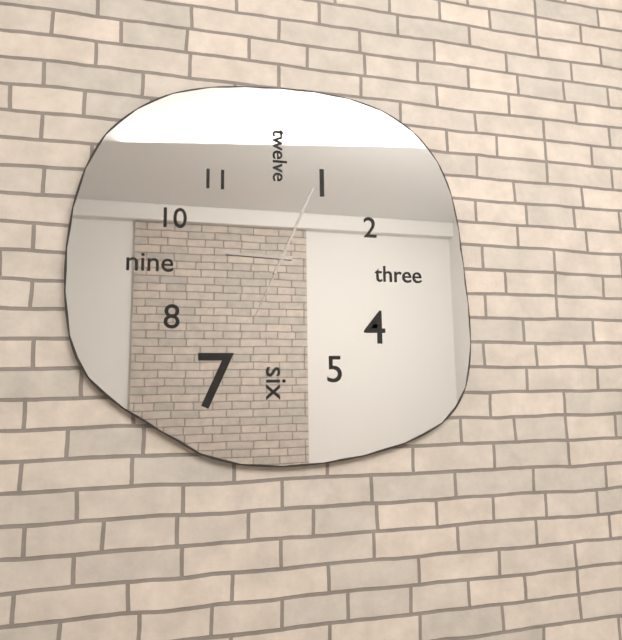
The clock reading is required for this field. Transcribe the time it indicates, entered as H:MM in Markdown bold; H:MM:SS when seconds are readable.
**9:04:34**
